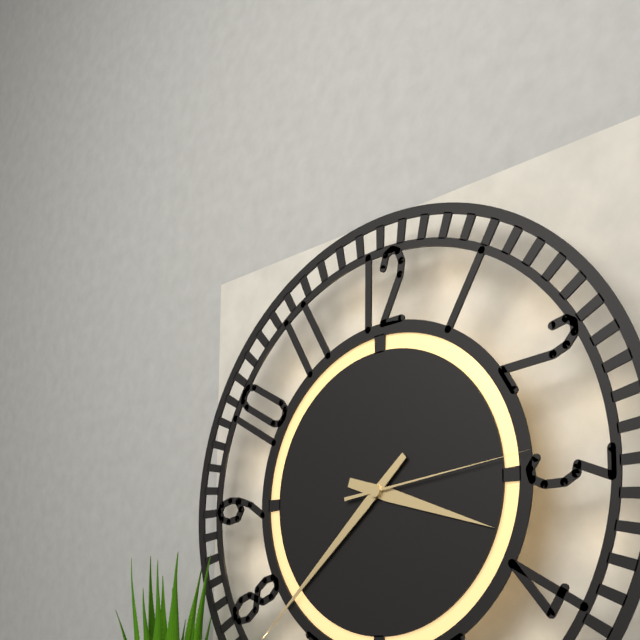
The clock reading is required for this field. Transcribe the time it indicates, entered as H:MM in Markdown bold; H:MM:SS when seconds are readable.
**3:38:14**
